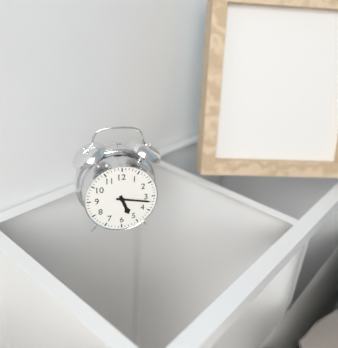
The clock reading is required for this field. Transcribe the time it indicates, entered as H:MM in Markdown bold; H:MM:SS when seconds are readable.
**5:17**
